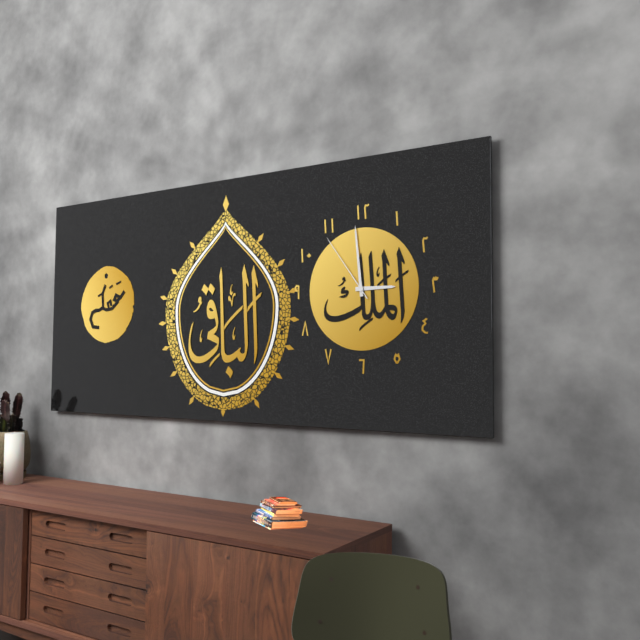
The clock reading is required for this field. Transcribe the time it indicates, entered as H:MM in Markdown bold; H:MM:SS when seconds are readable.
**2:59:54**
